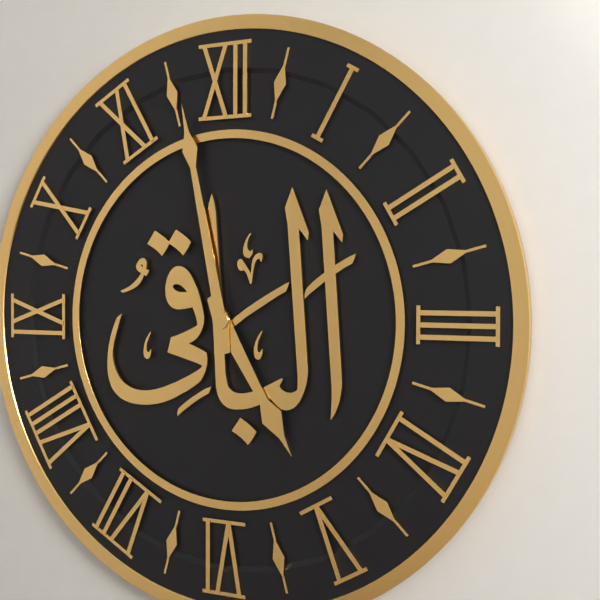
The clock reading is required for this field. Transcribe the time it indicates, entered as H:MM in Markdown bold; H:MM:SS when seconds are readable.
**4:58**
